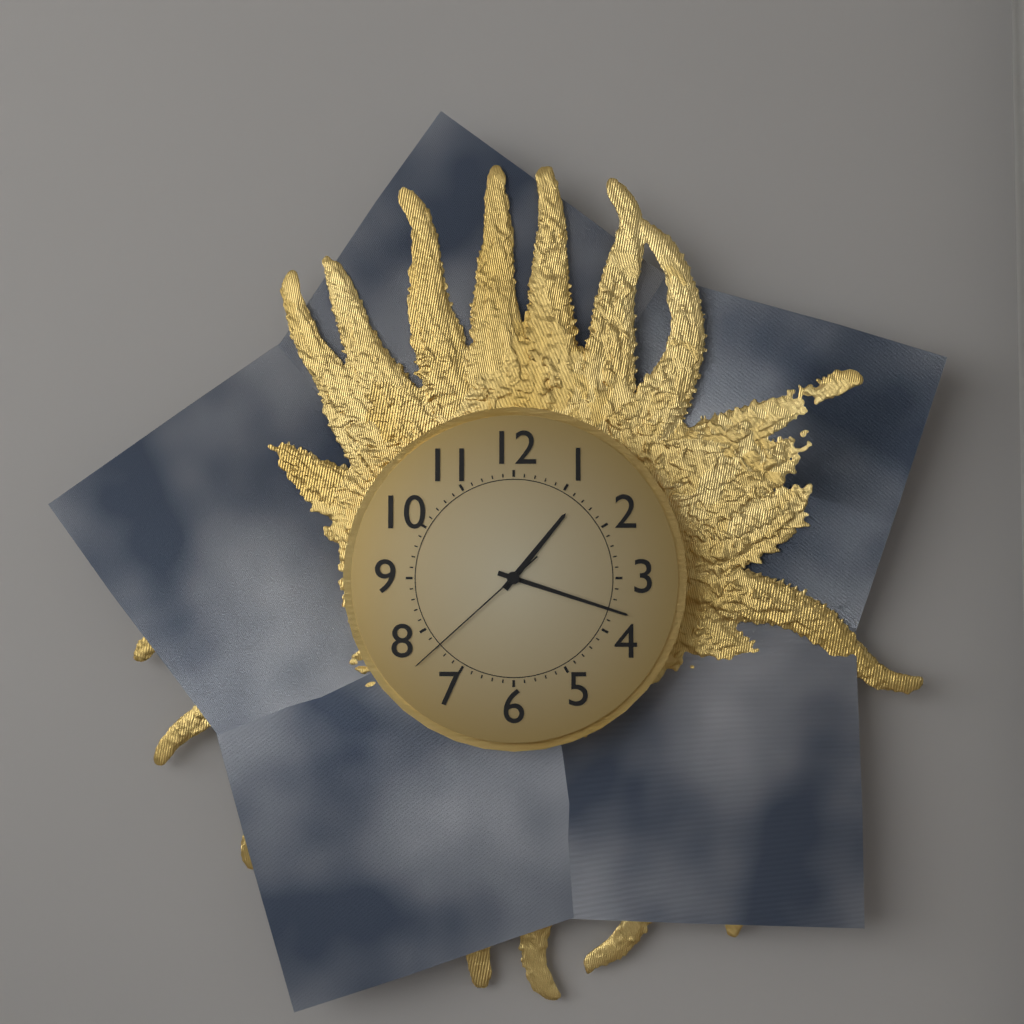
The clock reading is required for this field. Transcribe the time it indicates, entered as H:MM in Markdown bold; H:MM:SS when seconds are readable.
**1:18:38**
